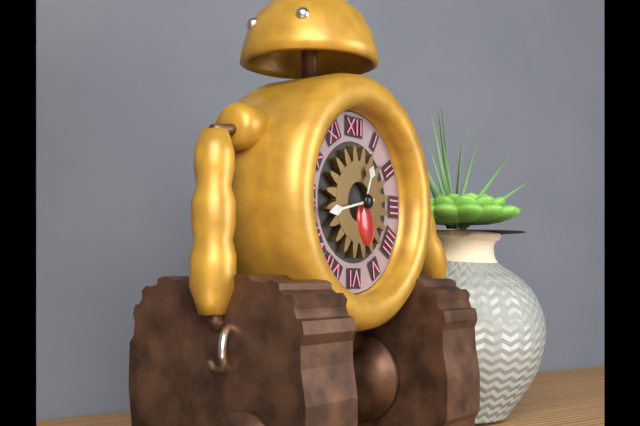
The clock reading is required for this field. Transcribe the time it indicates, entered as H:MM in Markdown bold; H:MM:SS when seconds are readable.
**12:43**
